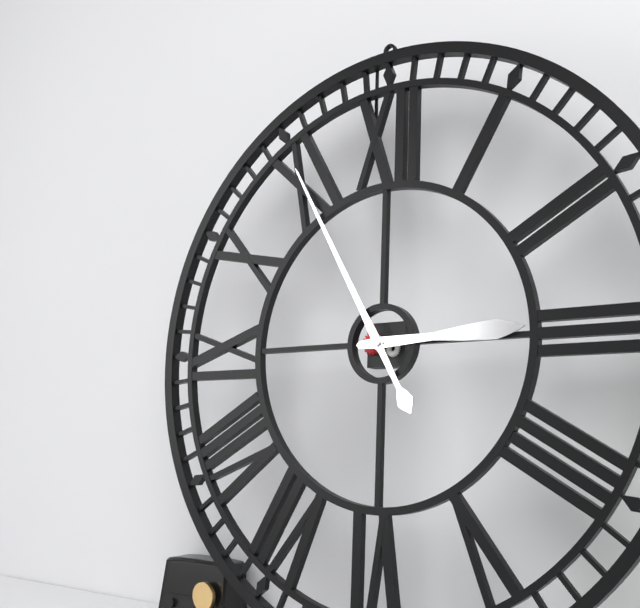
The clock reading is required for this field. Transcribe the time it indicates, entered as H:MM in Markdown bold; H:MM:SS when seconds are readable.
**2:55**
